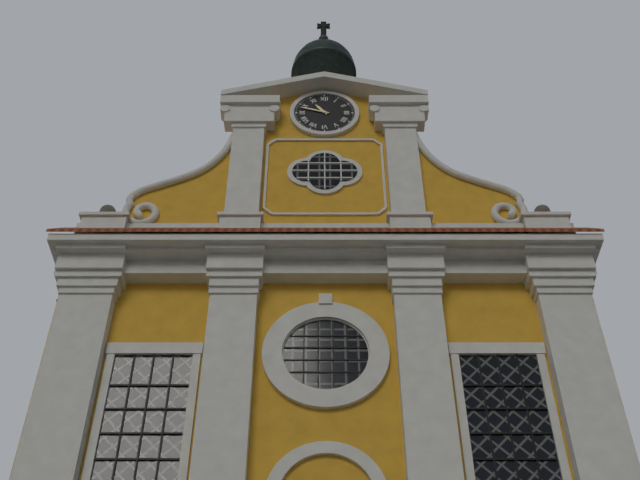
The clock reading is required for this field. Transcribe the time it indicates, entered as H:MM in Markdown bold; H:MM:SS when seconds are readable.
**10:48**
